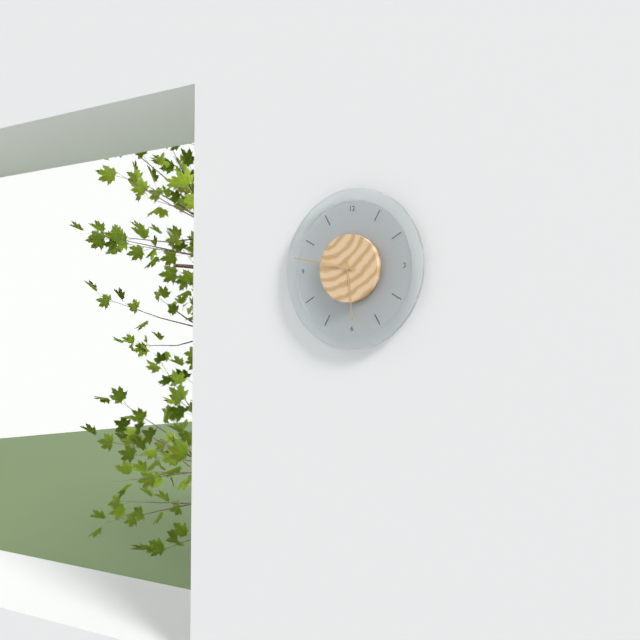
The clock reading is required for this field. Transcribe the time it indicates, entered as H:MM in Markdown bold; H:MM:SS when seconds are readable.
**5:47**
